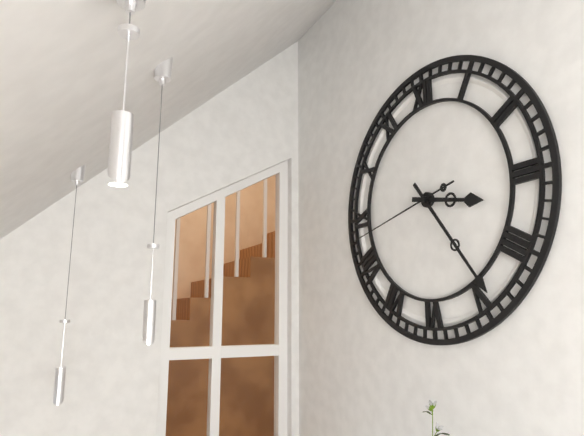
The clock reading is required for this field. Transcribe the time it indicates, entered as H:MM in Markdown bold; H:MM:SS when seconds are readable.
**3:24:43**
